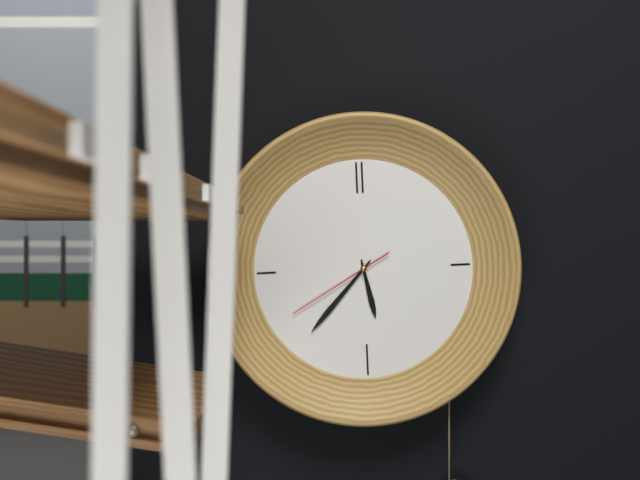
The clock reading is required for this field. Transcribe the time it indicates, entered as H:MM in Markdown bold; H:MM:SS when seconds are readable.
**5:37:40**
